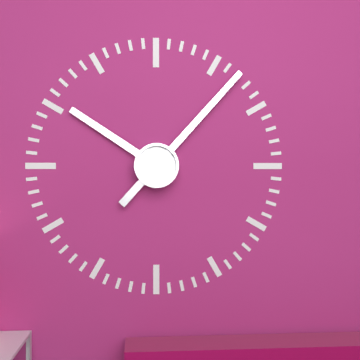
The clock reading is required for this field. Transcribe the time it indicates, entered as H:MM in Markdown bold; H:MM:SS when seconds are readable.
**10:07**
